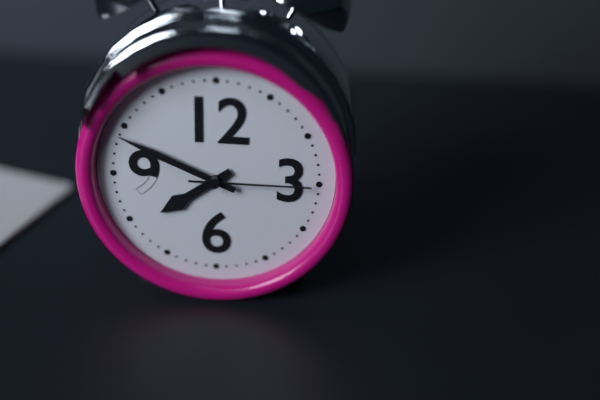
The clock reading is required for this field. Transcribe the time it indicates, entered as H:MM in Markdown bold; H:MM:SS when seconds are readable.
**7:49:15**
